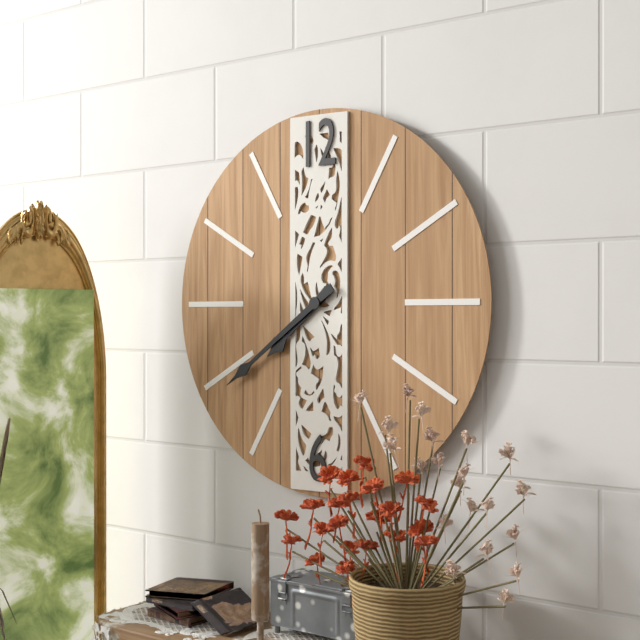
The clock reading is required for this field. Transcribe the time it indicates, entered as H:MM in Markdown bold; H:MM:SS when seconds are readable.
**7:39**
